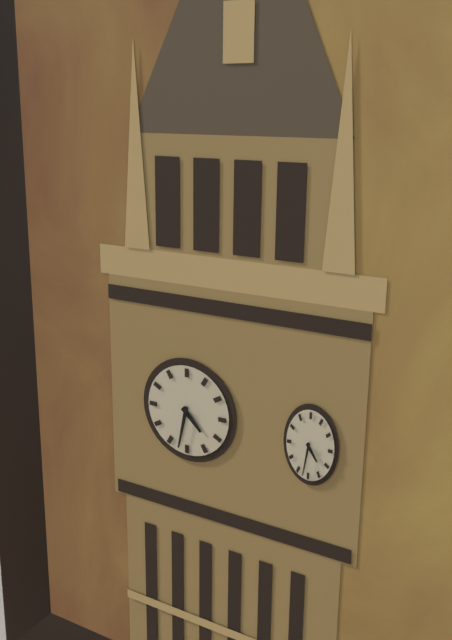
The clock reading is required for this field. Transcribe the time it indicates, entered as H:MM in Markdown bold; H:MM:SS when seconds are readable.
**4:32**
